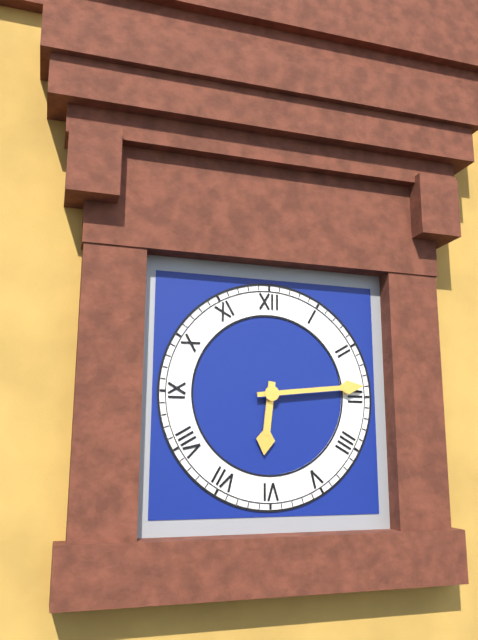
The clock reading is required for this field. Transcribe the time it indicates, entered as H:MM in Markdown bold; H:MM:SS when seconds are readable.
**6:14**
